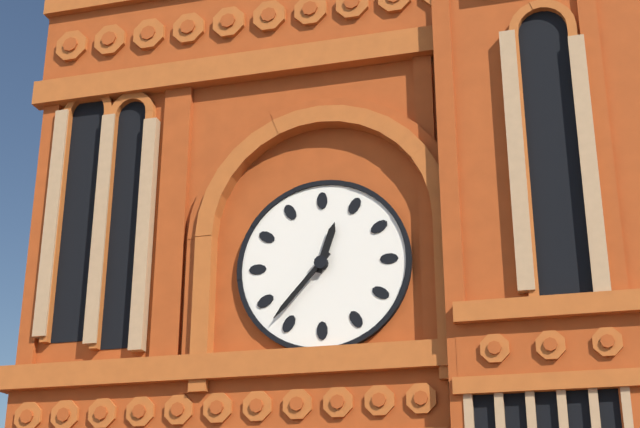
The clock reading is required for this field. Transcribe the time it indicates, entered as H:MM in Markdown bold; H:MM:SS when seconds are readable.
**12:37**
